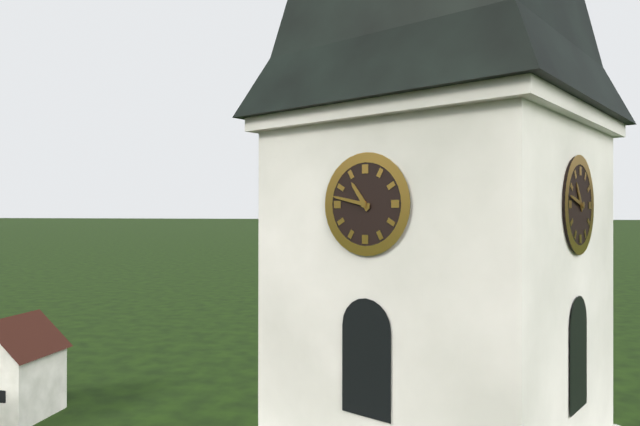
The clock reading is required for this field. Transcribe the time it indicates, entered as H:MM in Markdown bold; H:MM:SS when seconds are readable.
**10:47**
